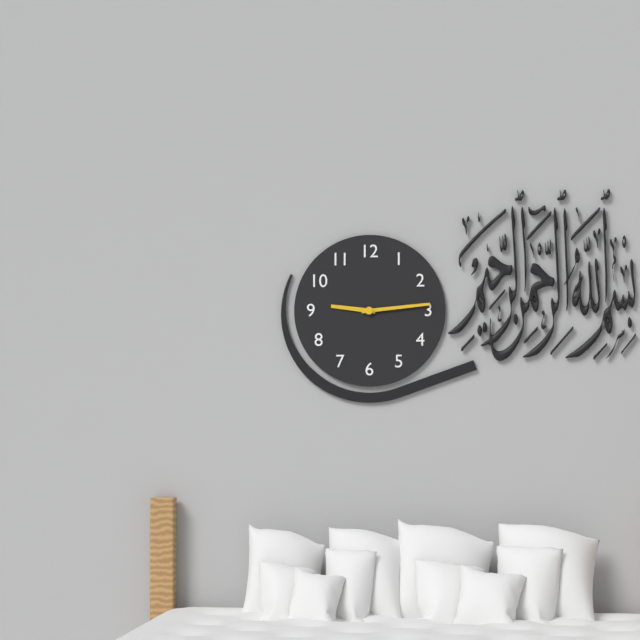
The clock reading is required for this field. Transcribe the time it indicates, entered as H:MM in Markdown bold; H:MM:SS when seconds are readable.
**9:14**
